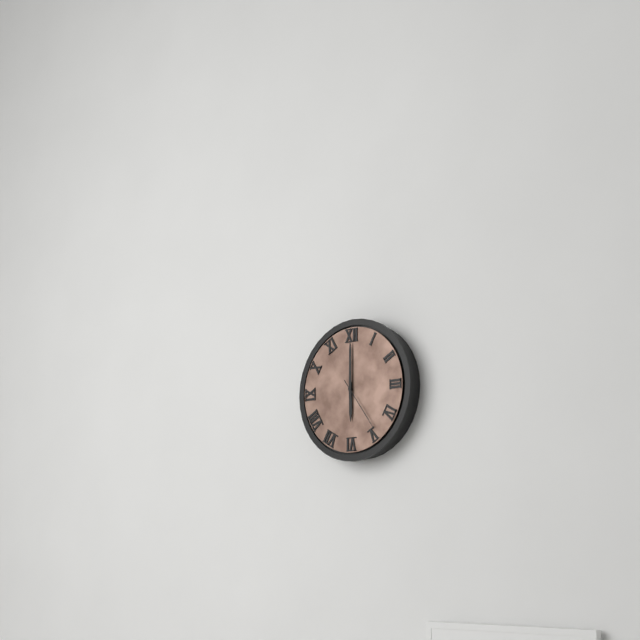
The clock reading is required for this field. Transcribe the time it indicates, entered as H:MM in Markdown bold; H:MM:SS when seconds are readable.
**6:00:24**
